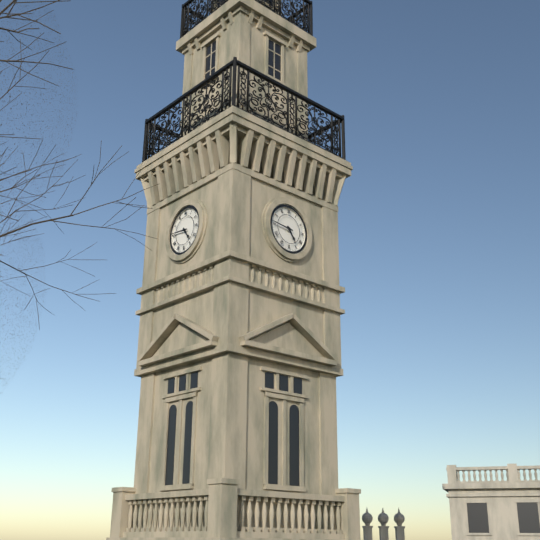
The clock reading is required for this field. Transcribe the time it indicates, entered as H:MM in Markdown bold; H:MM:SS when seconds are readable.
**4:46**
